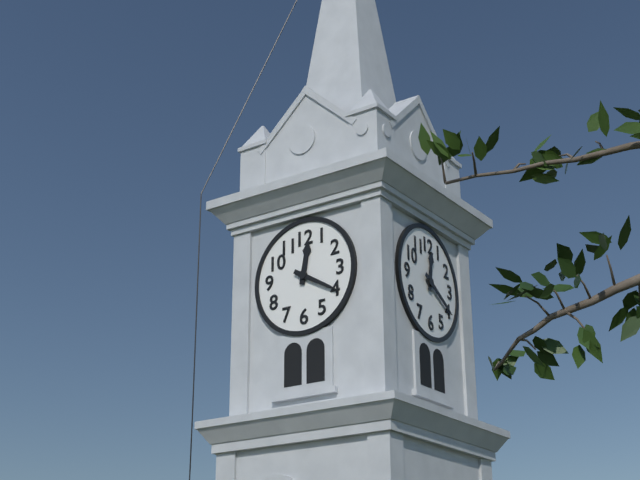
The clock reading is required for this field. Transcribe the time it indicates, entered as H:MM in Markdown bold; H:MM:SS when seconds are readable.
**12:20**
